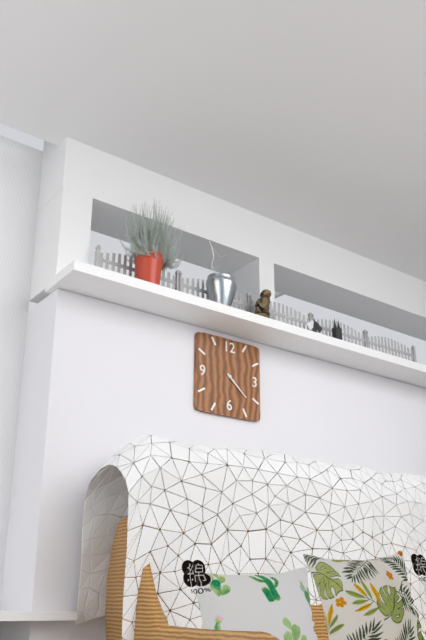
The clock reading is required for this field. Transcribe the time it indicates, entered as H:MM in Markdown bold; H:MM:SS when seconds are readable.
**4:22**
